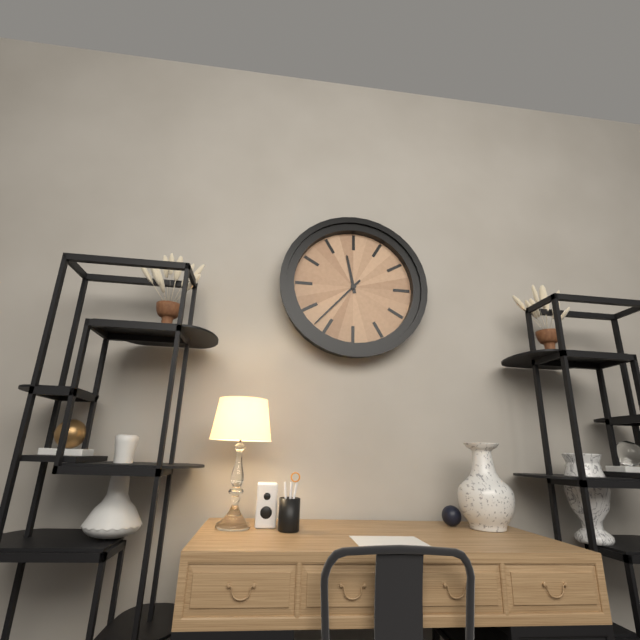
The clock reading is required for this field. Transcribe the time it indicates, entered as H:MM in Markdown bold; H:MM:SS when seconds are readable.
**11:37**
